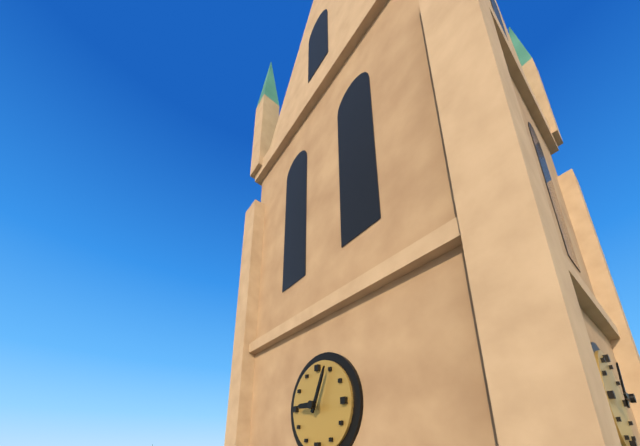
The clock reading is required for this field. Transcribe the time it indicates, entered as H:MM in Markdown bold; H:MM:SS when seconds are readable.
**9:04**
